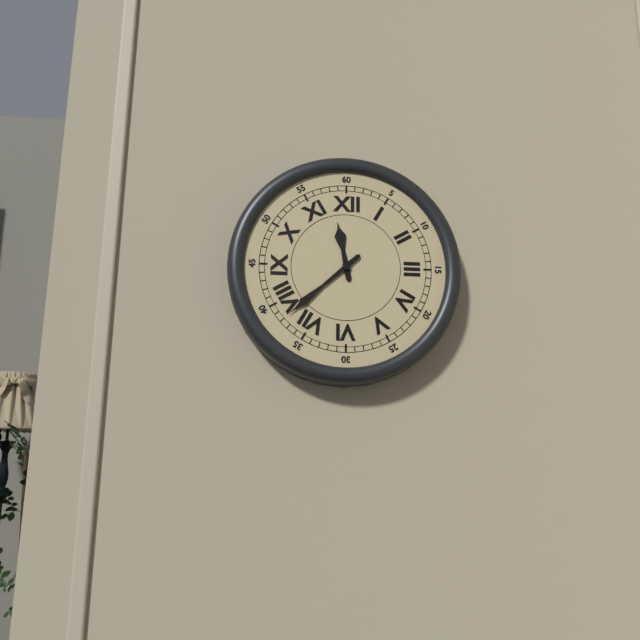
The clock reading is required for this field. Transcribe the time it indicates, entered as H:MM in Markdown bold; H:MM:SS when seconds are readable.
**11:38**
